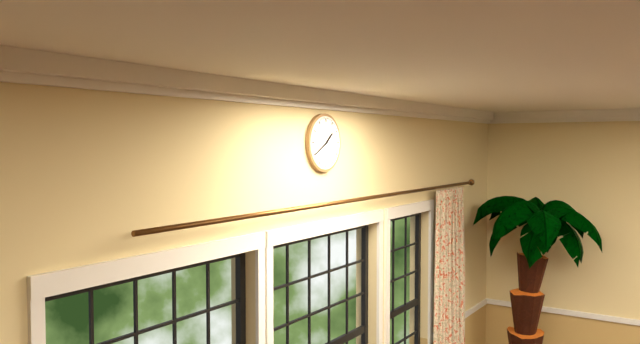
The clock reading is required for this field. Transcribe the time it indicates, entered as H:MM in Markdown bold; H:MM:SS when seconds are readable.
**1:40**
